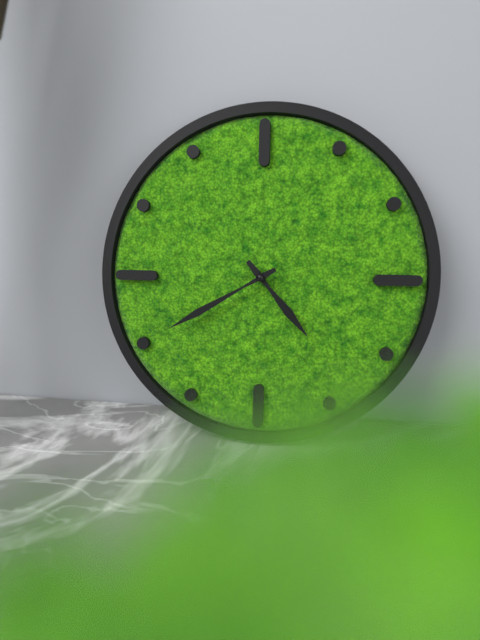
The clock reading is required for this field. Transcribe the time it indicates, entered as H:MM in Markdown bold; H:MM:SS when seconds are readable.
**4:40**
